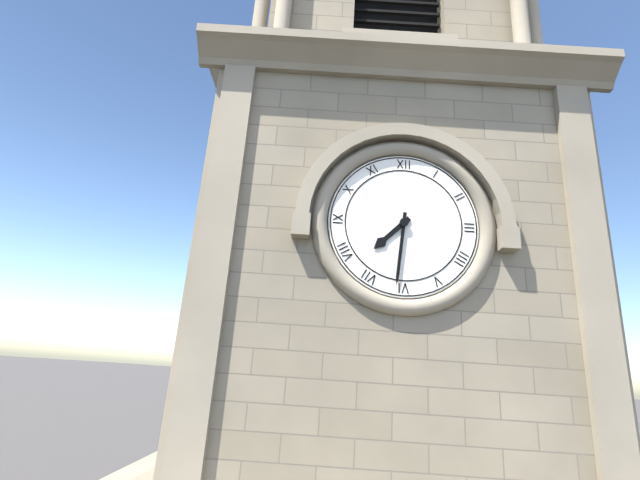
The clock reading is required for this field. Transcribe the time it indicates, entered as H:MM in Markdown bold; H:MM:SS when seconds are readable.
**7:31**
